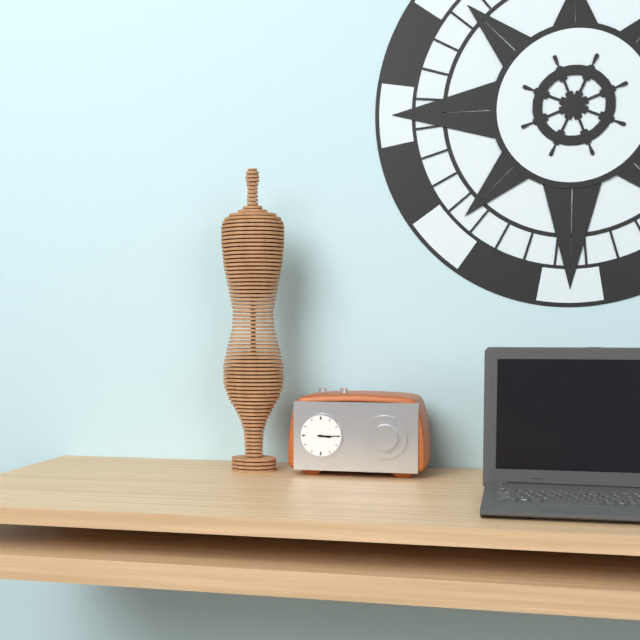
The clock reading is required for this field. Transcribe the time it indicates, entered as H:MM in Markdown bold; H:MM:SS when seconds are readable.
**3:15**
